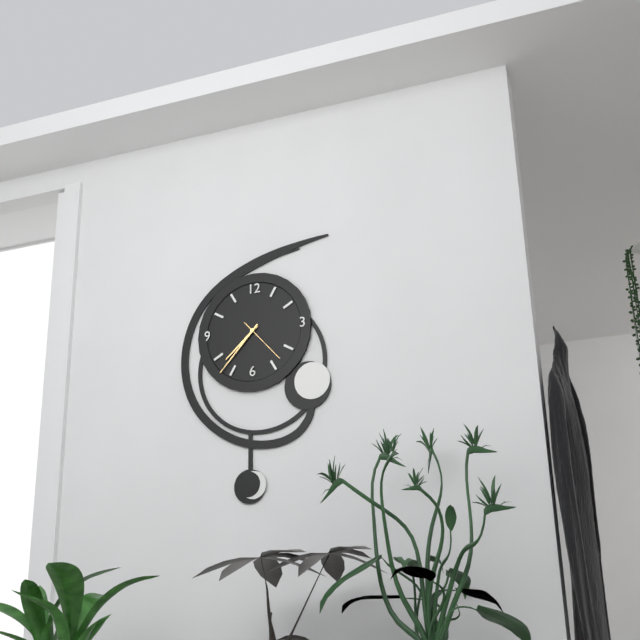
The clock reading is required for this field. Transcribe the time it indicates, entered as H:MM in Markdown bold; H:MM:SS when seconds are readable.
**7:37**
